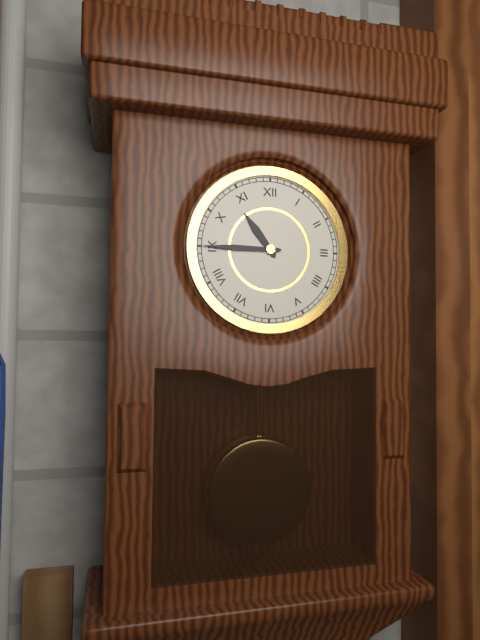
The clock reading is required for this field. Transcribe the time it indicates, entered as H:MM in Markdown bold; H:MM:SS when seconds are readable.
**10:45**
